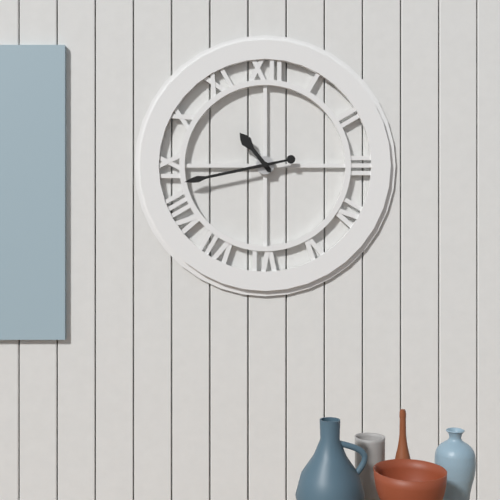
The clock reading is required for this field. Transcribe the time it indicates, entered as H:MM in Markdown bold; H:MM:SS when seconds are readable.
**10:43**
